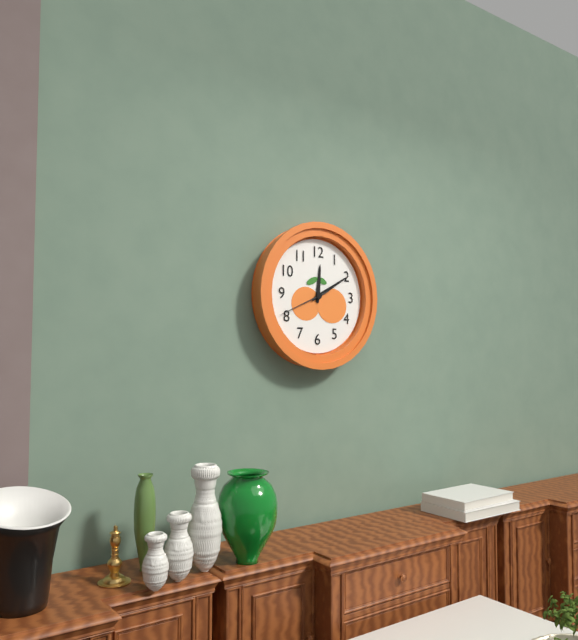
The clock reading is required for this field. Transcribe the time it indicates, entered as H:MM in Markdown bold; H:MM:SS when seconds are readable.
**12:10:41**
